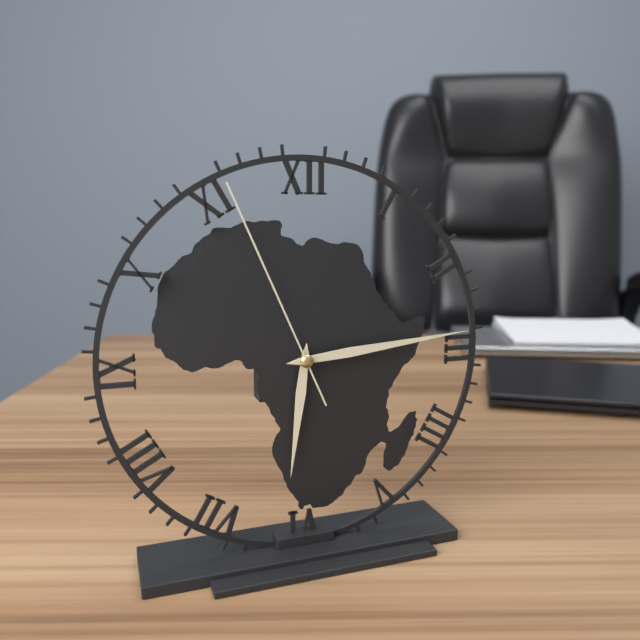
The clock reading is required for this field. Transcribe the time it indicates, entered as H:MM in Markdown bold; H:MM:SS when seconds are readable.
**6:14:56**
